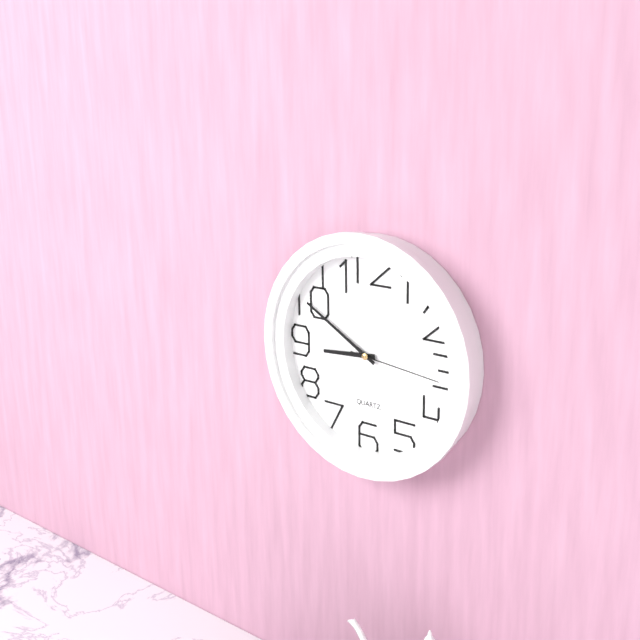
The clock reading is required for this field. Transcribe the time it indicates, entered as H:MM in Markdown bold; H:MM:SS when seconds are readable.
**8:50:16**
